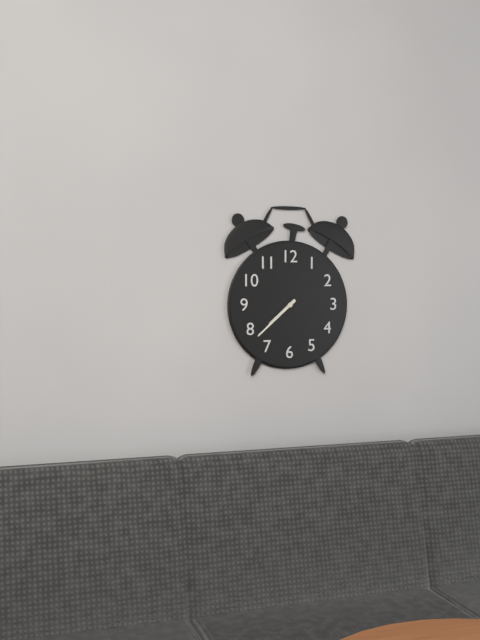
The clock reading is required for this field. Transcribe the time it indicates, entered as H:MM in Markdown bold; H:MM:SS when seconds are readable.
**7:38**
